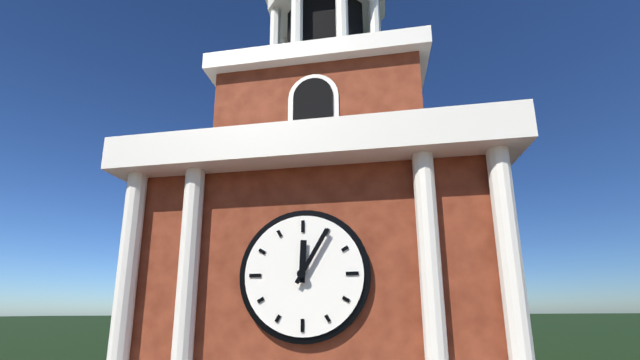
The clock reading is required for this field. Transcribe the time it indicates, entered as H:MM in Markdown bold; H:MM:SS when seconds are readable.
**12:05**
